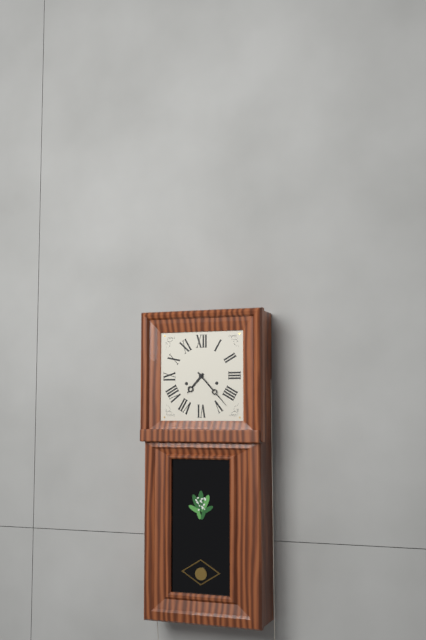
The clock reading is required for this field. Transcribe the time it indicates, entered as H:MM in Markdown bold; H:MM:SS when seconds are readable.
**7:23**
